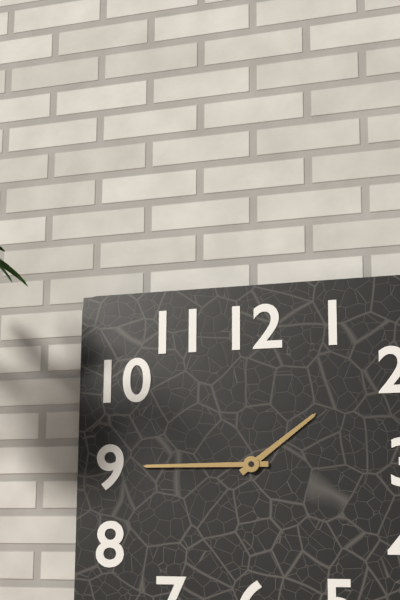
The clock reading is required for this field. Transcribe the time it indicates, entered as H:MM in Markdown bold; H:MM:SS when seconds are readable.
**1:45**
